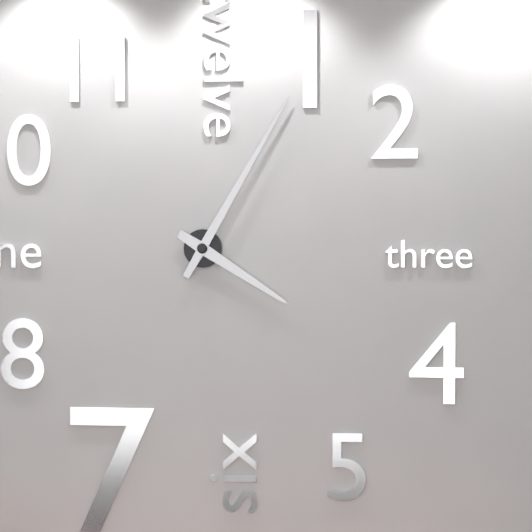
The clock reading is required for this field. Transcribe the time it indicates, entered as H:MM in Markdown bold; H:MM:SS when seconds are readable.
**4:05**
